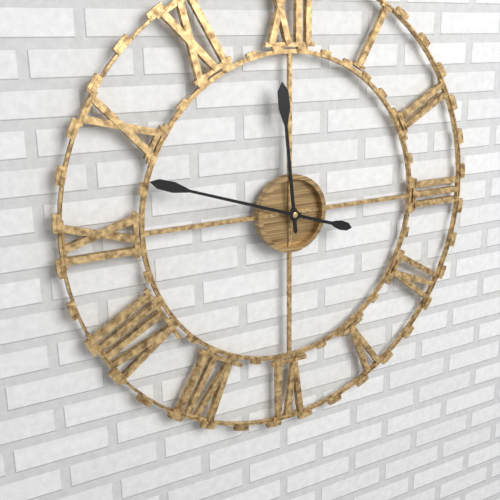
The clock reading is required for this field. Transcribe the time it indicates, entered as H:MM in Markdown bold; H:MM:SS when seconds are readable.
**11:48**
